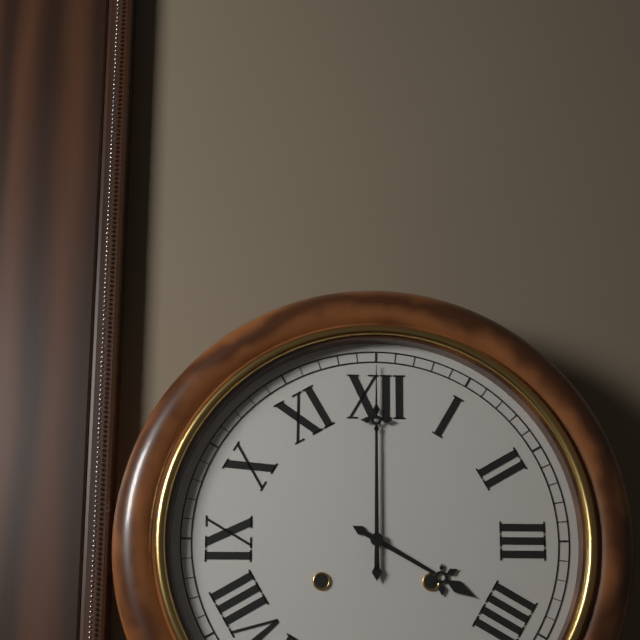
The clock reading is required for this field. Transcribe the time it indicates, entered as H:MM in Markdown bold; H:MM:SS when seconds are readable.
**4:00**
